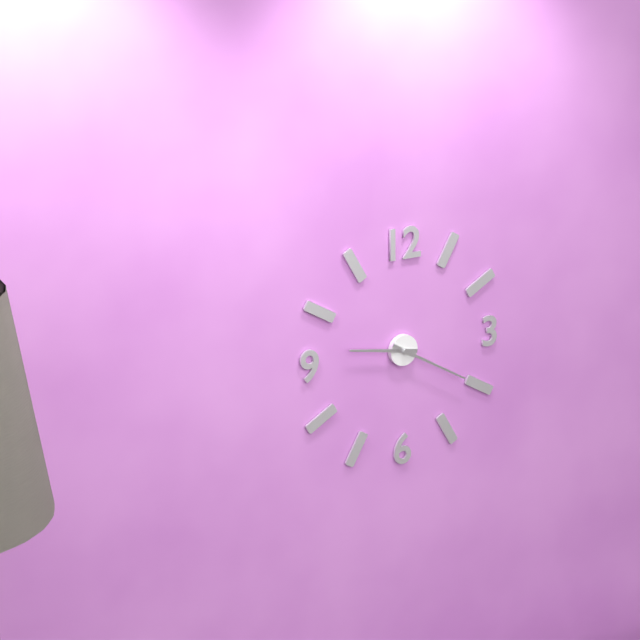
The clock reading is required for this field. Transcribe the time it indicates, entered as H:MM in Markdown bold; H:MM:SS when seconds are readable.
**9:20**
